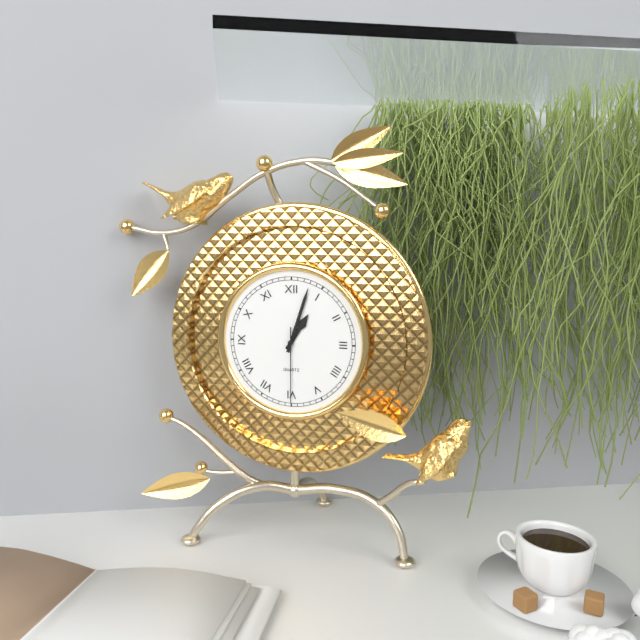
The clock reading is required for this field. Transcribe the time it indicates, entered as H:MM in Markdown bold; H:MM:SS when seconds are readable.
**1:03:30**
